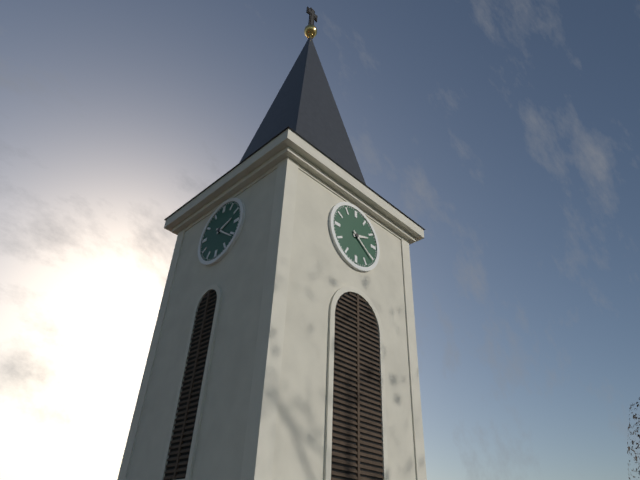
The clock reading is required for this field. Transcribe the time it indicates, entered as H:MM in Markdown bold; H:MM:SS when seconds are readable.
**2:21**
